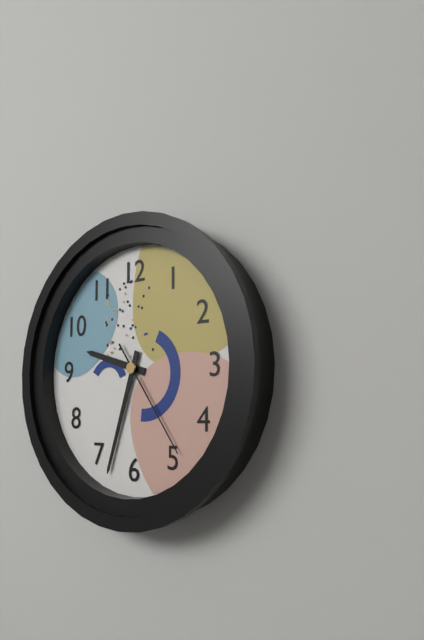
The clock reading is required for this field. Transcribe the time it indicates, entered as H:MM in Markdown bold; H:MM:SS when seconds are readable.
**9:33:24**
